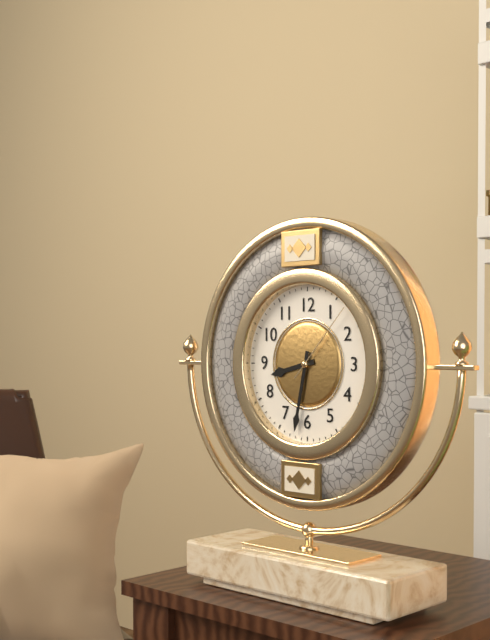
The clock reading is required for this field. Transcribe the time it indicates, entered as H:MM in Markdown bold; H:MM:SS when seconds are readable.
**8:32:07**
